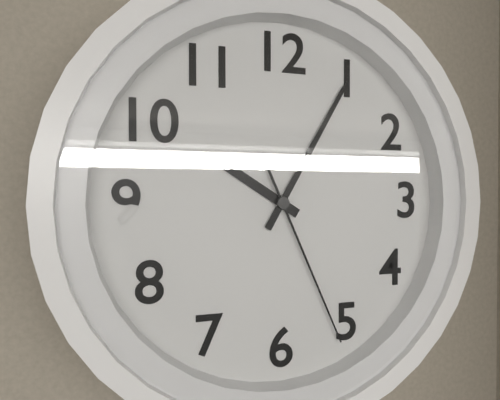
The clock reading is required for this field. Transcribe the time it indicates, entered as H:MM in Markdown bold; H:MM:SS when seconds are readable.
**10:05:26**
